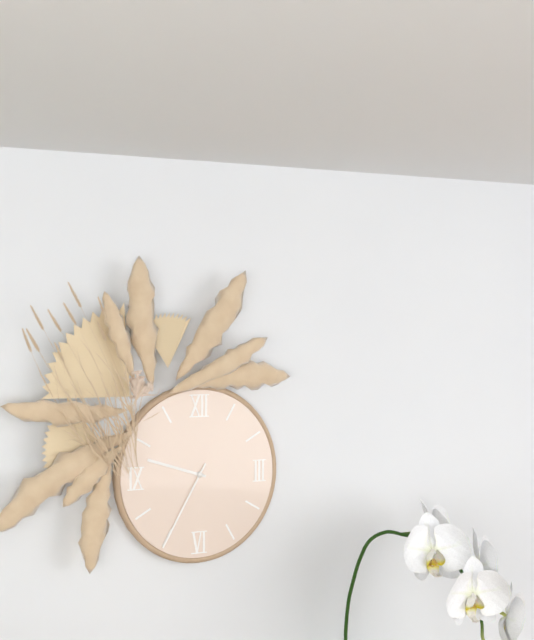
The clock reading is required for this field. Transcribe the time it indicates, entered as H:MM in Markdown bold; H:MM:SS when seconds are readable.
**9:35**
